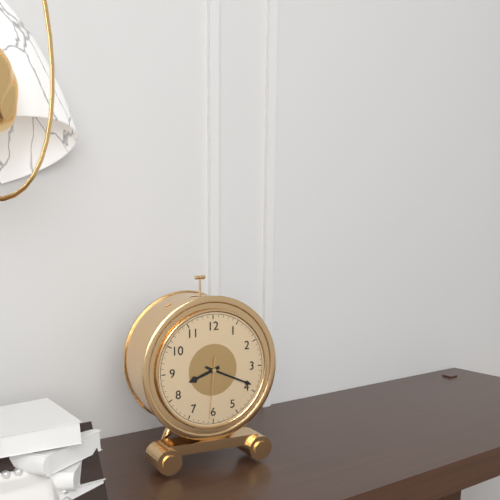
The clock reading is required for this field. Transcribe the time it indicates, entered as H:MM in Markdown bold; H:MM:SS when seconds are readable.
**8:19:31**
